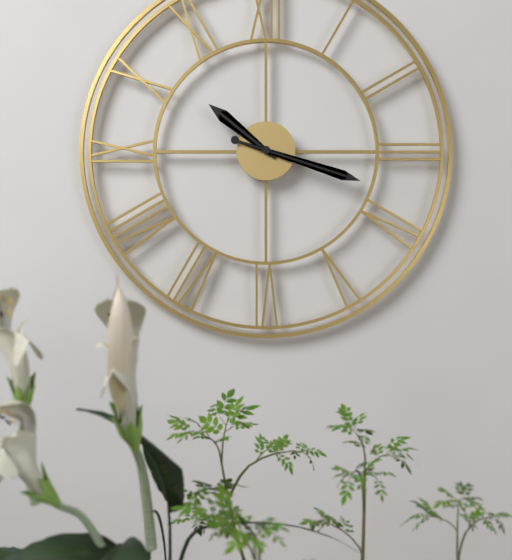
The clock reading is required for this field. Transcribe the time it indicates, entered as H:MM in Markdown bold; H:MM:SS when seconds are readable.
**10:18**
